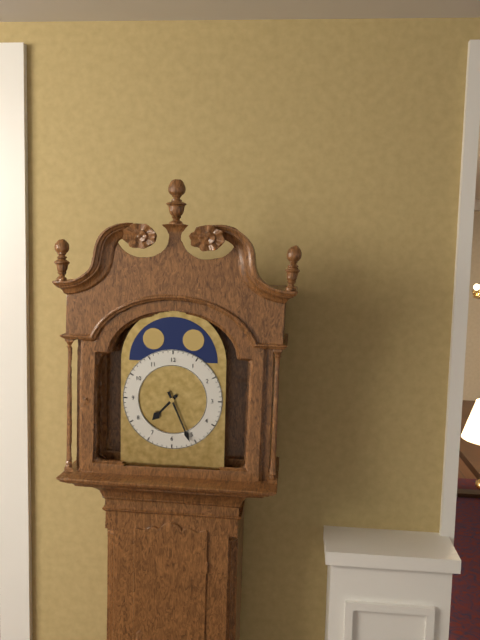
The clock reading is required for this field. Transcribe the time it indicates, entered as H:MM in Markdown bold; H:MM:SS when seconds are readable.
**7:26**
